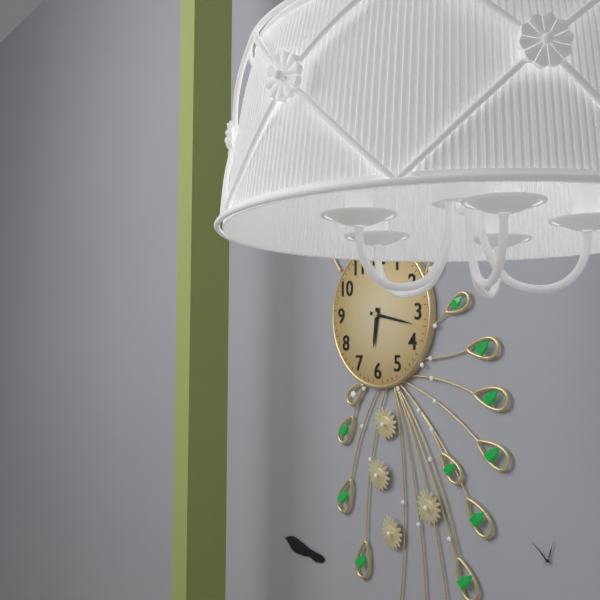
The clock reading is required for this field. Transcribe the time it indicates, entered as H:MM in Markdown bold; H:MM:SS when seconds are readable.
**6:17**
